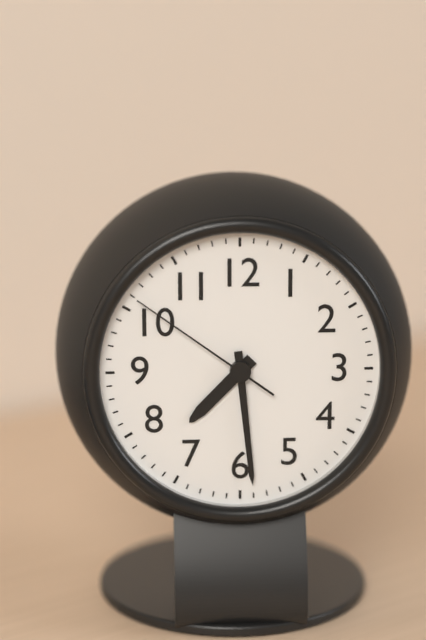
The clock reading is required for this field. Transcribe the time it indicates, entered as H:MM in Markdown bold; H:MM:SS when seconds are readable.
**7:29:51**
